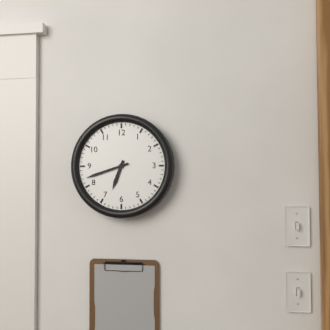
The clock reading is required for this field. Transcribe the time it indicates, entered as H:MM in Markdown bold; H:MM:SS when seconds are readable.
**6:42**
